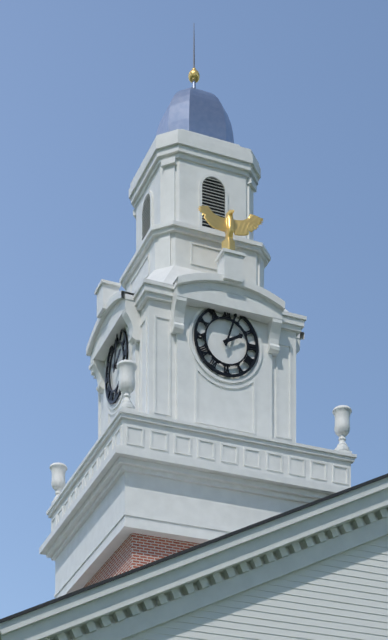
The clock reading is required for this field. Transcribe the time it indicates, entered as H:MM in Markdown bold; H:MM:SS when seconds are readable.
**2:03**
